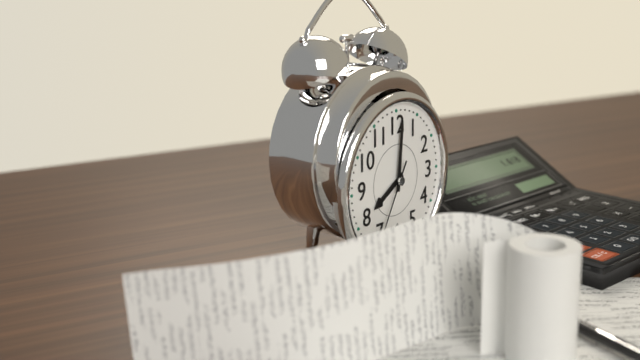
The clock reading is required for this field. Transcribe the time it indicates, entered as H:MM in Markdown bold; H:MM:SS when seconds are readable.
**8:01:35**
